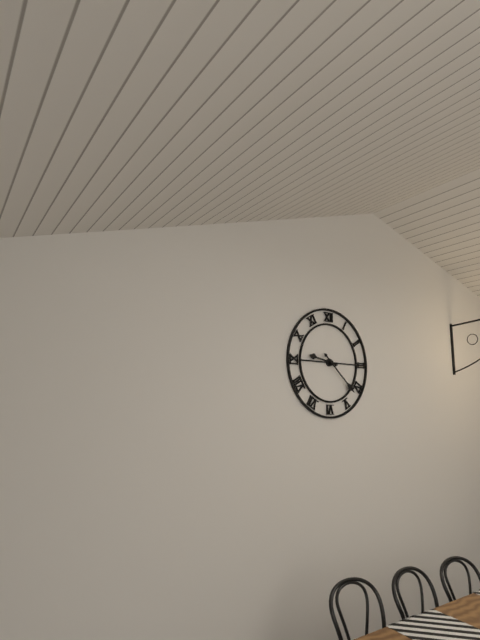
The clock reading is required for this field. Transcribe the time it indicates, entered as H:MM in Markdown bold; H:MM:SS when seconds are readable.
**9:22**
